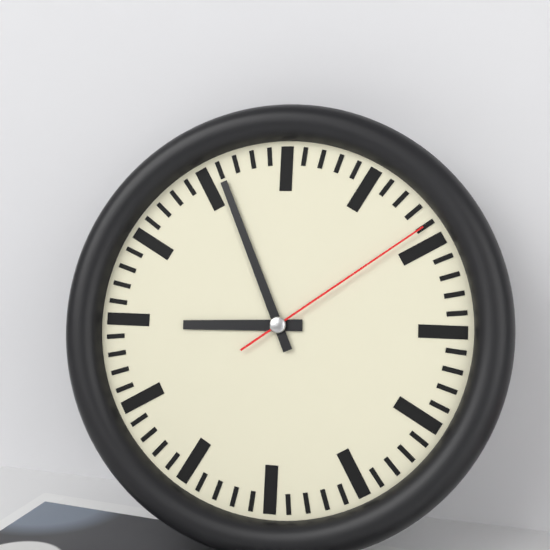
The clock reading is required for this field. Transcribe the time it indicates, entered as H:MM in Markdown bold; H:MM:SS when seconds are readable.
**8:56:09**
